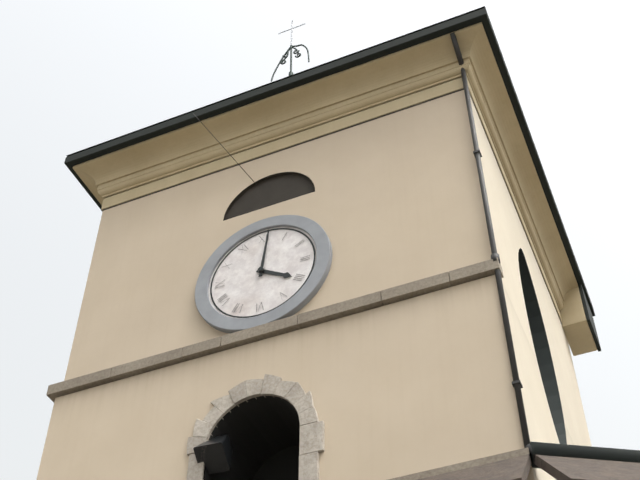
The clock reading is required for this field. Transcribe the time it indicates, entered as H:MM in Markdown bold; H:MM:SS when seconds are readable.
**4:01**
